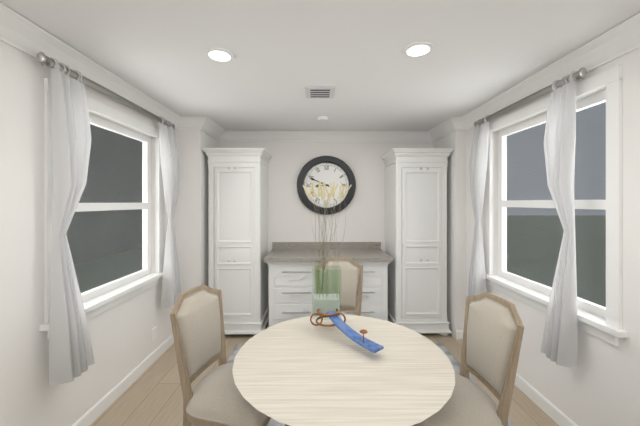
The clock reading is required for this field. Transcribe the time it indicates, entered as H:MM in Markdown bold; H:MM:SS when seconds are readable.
**8:49**
